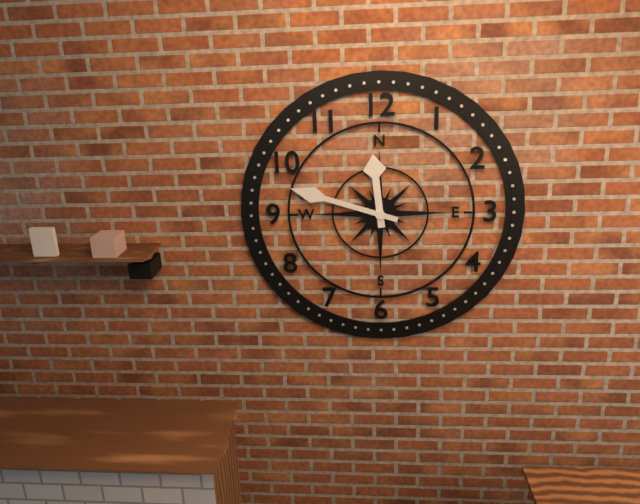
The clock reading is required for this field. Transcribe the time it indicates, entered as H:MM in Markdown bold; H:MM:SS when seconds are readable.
**11:48**
